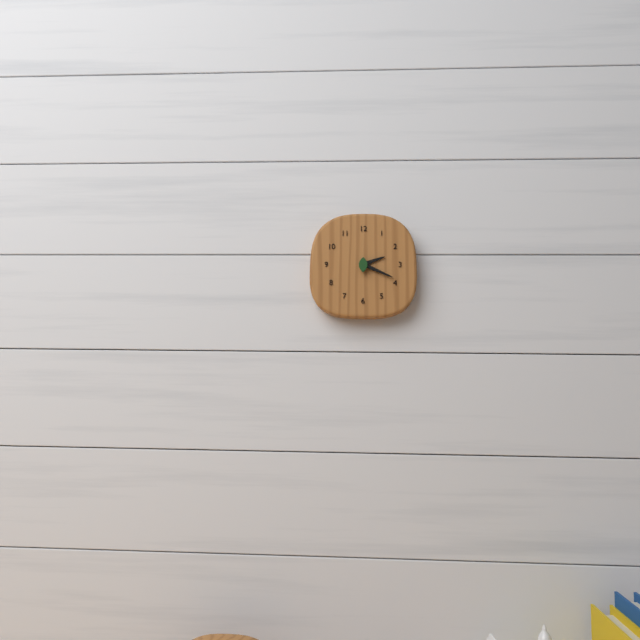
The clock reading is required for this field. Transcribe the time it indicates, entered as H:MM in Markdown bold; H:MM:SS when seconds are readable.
**2:19**
